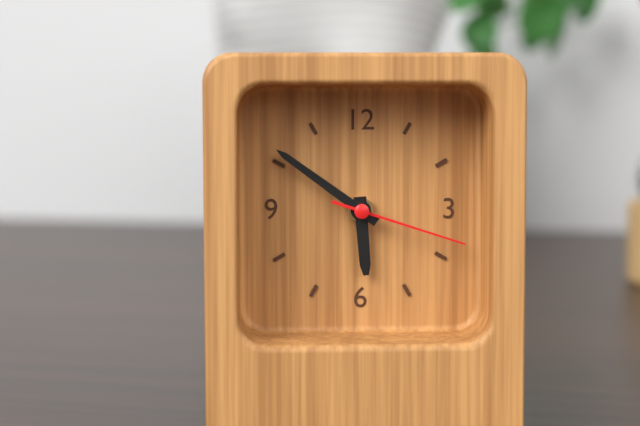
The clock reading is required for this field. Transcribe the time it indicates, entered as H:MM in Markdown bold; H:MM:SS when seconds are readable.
**5:51:18**
